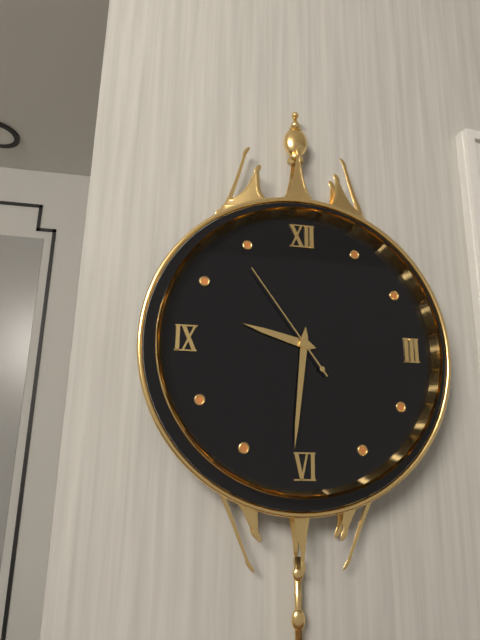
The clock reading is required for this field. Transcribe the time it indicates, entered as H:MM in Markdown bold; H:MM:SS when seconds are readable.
**9:31:54**
